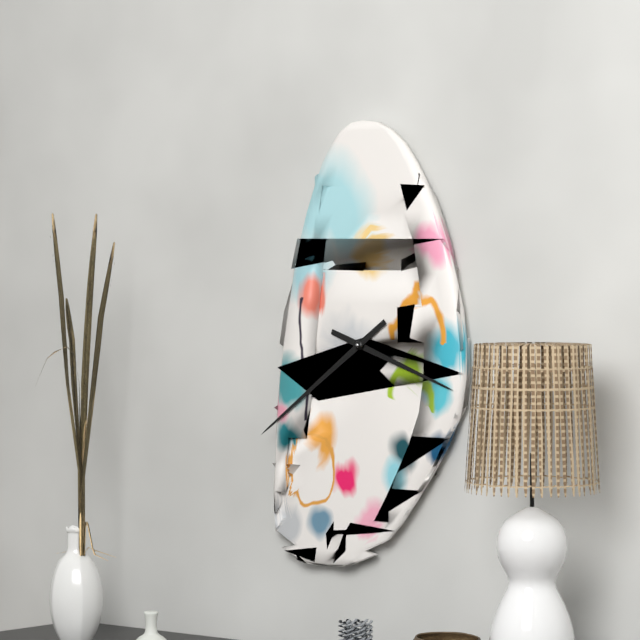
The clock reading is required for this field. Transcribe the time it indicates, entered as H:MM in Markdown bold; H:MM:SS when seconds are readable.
**3:39**
